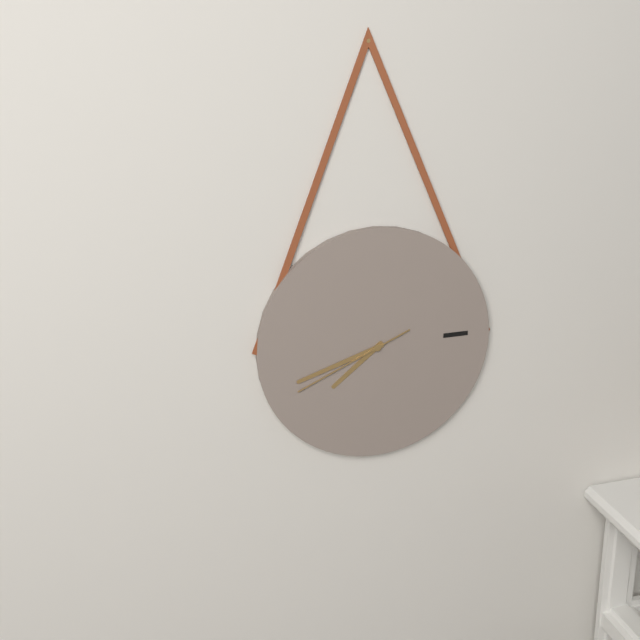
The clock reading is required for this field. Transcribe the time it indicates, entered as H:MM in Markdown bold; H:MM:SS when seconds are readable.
**7:42:41**
